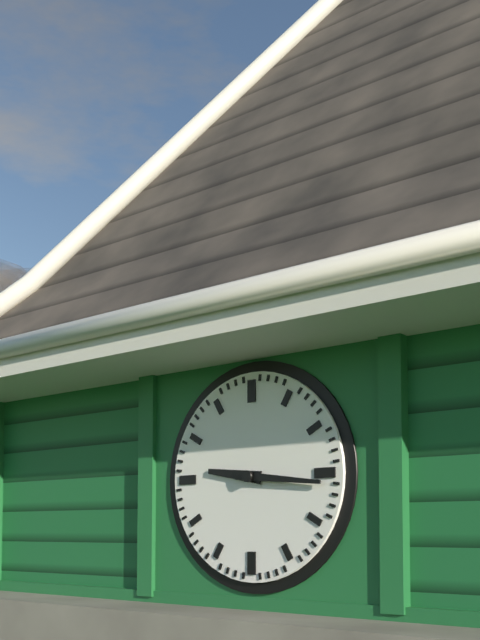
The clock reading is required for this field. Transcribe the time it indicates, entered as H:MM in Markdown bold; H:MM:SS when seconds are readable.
**9:16**
